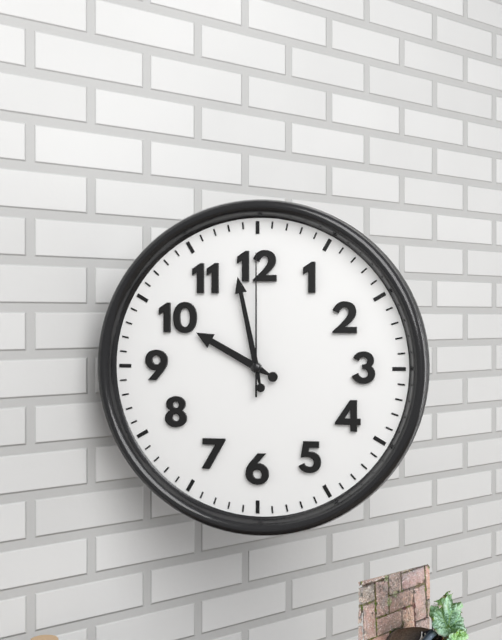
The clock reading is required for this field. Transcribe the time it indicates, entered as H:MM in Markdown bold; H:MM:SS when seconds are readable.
**9:58:00**
